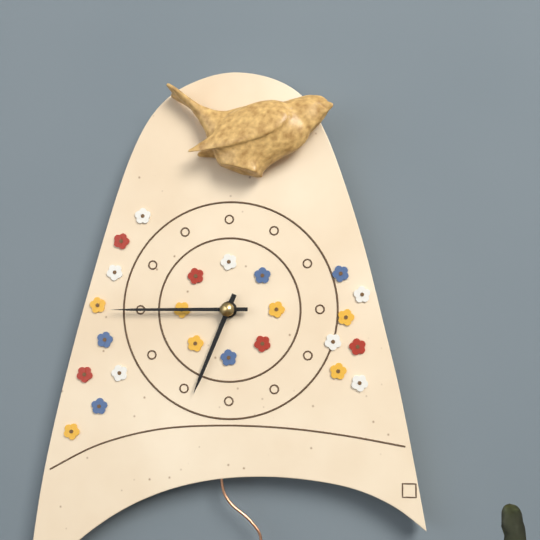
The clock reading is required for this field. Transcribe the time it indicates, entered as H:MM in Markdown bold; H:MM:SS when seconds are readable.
**6:45**
